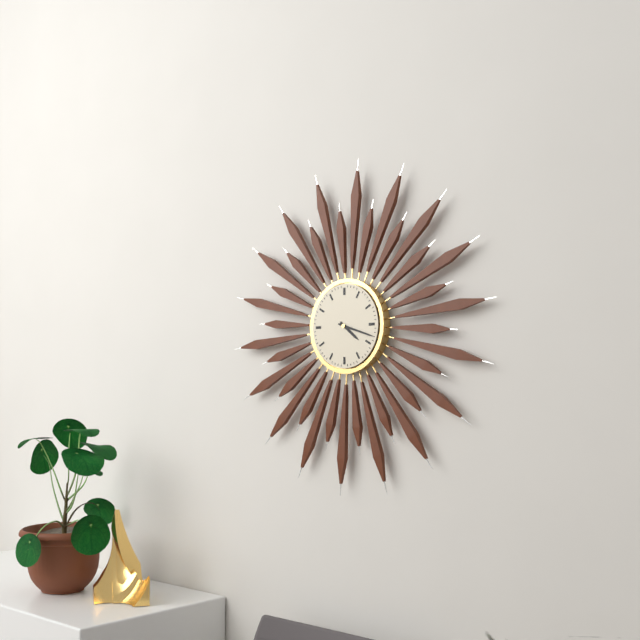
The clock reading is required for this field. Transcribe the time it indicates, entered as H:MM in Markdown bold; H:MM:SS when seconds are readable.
**4:18**
